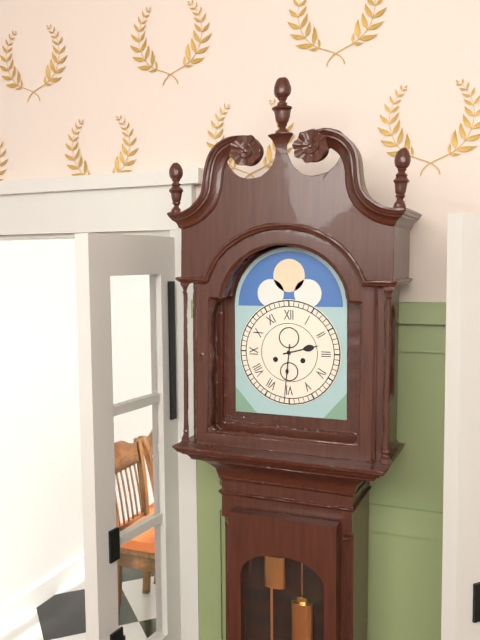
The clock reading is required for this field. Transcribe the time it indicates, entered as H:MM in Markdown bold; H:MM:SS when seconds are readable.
**2:31**
